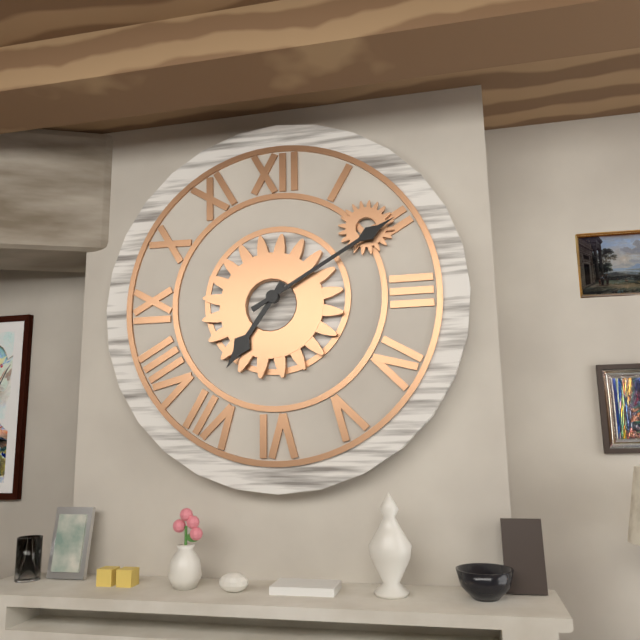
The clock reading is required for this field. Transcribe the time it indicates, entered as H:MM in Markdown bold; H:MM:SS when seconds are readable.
**7:10**
